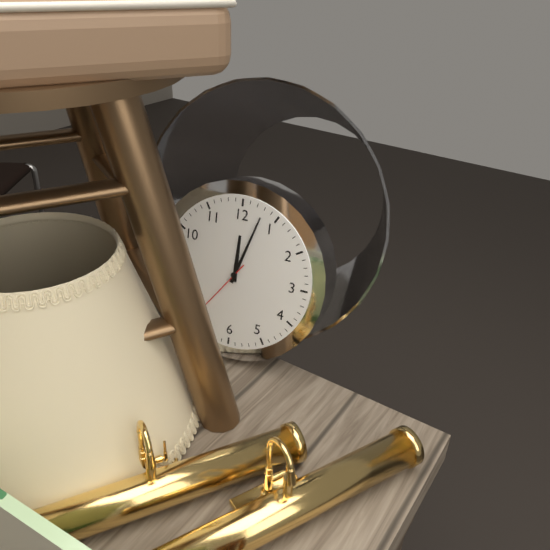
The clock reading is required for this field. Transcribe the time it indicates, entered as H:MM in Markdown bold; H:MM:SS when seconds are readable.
**12:03**
